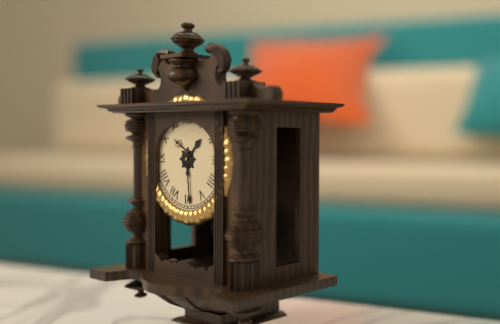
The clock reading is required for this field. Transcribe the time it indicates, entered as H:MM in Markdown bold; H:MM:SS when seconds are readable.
**1:29**
